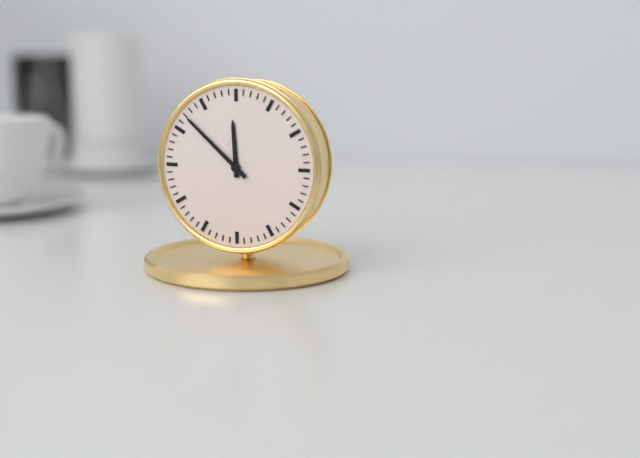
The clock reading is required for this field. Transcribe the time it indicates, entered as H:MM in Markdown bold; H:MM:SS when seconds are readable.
**11:52**
